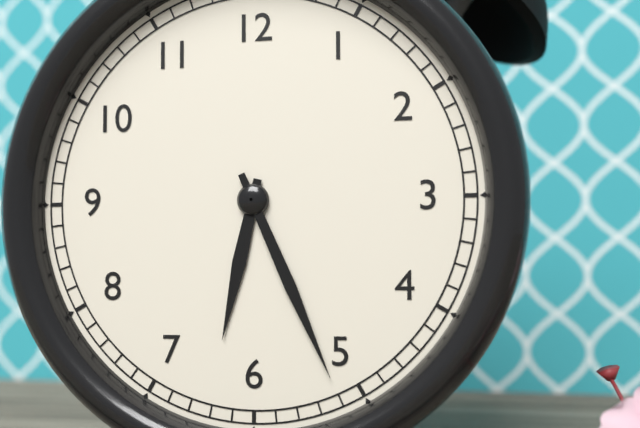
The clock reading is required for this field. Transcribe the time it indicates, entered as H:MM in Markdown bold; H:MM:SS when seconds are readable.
**6:26**
